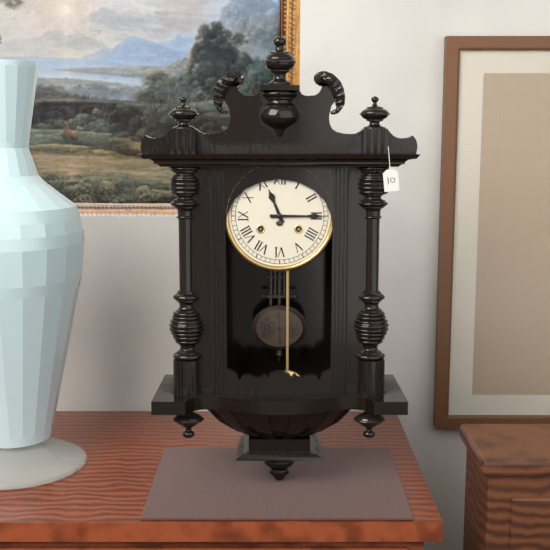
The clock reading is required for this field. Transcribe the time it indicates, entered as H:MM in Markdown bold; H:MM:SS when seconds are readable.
**11:15**
